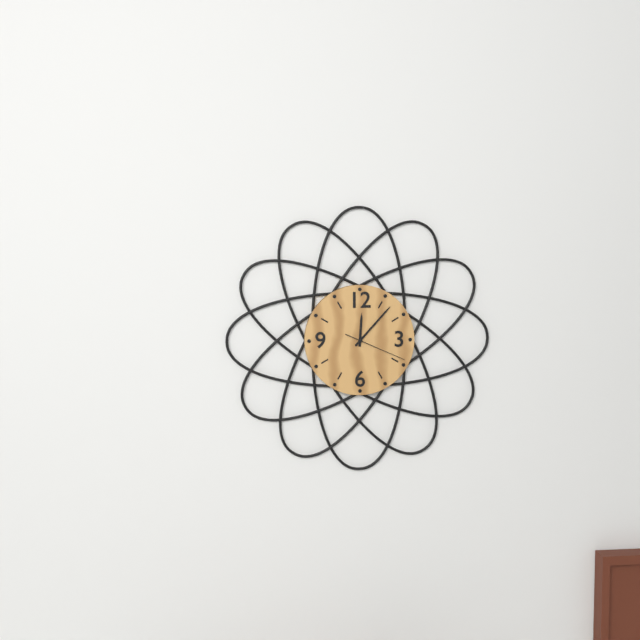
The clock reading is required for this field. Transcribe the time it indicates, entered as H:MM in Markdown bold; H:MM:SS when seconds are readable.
**12:07:19**
